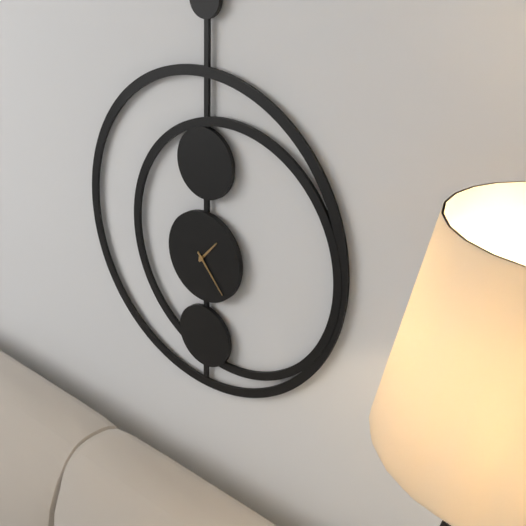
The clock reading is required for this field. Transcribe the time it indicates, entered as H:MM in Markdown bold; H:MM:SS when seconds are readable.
**1:23**
